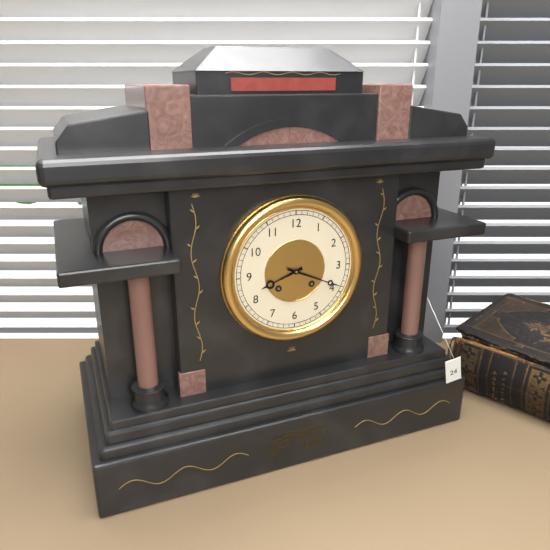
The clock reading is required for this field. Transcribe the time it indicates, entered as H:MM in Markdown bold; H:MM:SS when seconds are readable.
**8:19**
